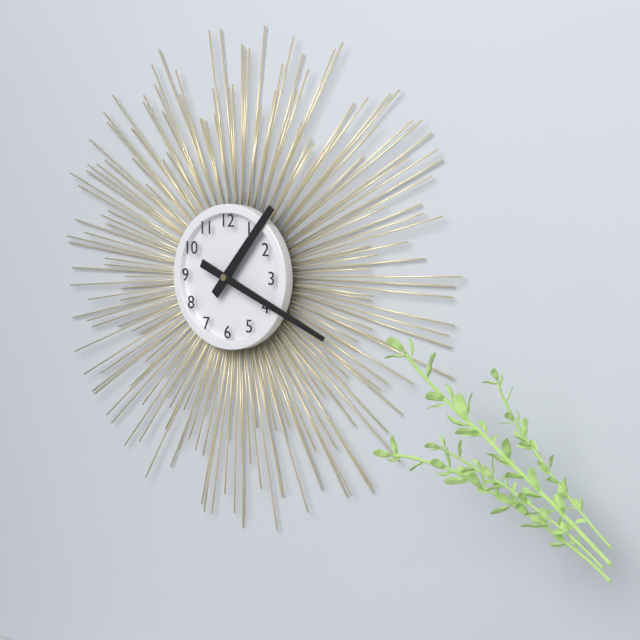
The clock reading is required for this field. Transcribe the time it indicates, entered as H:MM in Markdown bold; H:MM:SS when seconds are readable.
**1:19**
